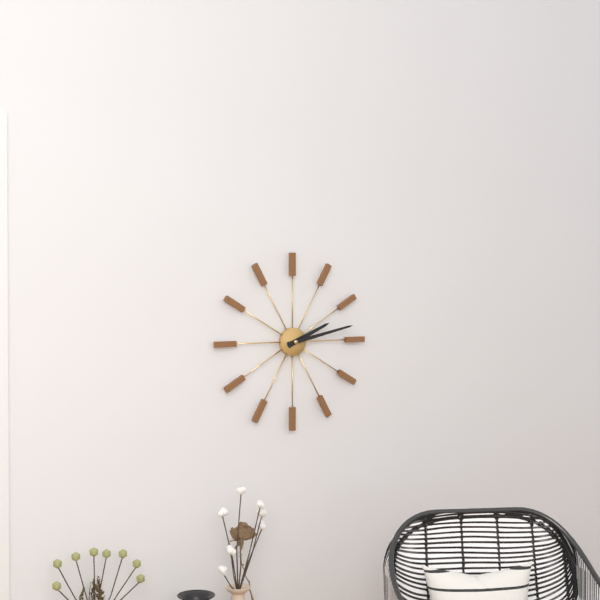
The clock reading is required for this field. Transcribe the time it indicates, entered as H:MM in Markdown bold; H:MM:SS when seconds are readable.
**2:13**
